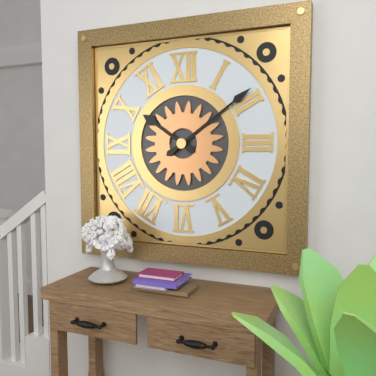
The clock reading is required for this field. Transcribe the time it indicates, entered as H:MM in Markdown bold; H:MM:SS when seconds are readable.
**10:09**
